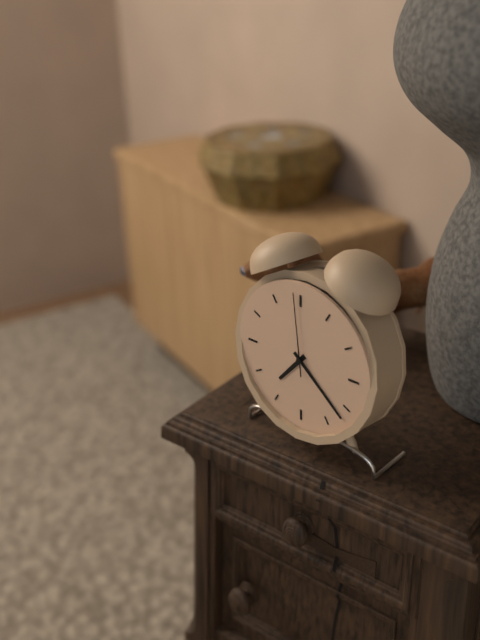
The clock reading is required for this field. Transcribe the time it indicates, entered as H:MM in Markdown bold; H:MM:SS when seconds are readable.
**7:22:59**
